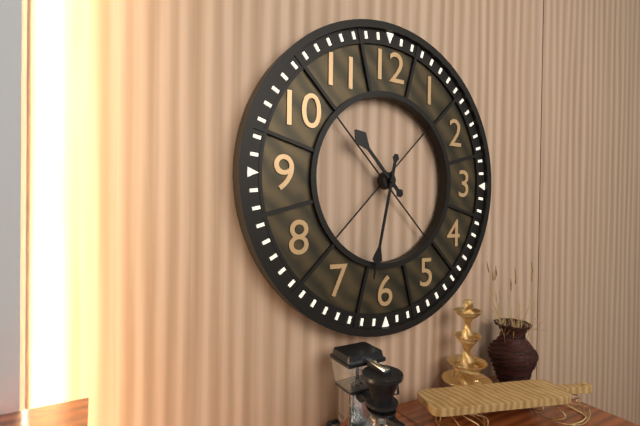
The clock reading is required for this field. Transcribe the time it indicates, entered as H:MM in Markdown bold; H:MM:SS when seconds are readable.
**10:32**
